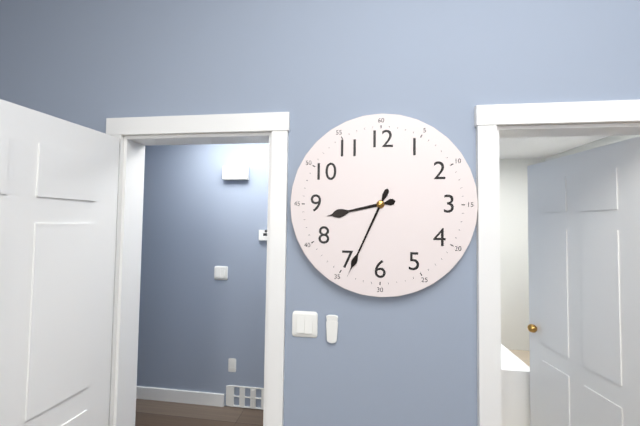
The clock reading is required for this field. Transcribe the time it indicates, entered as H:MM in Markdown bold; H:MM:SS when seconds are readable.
**8:34**
